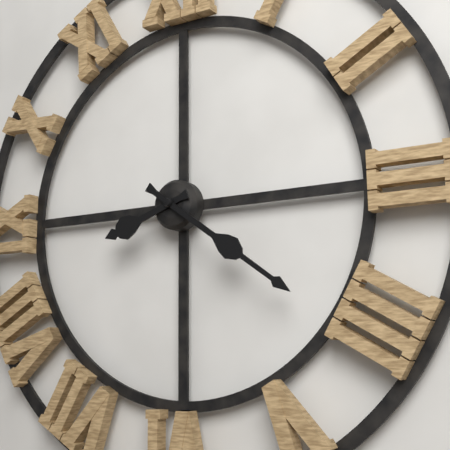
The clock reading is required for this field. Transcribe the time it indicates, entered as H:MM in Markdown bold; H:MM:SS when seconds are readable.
**8:21**
